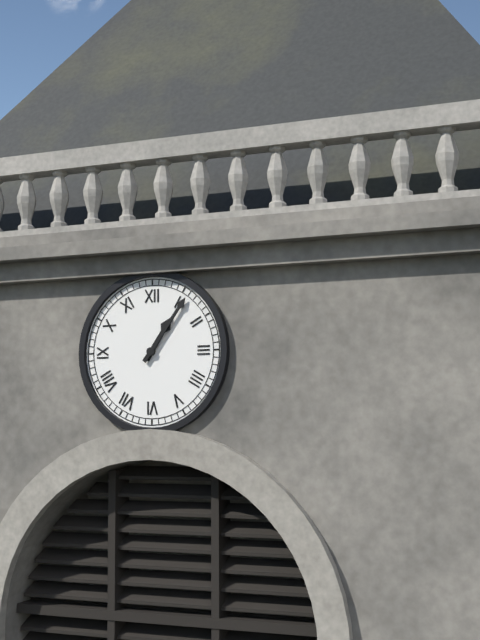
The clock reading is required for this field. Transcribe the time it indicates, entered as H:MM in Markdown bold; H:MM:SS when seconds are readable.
**1:06**
